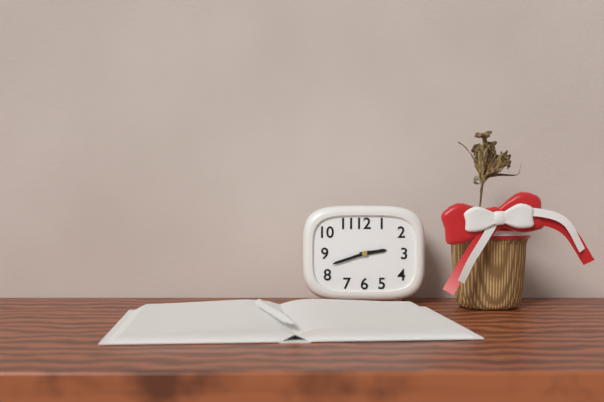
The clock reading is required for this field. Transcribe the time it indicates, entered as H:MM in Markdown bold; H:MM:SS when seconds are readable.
**2:42**
